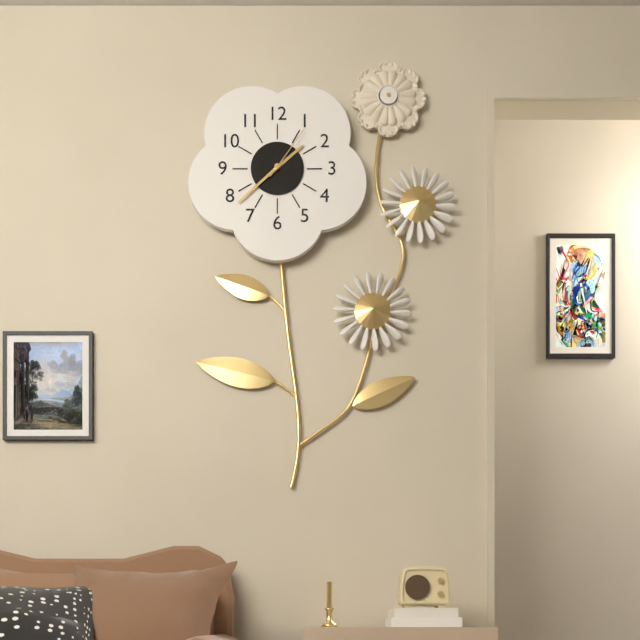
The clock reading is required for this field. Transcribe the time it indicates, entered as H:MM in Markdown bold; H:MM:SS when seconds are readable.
**1:38:06**
